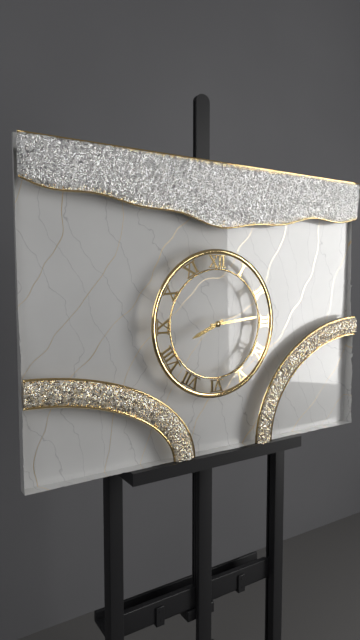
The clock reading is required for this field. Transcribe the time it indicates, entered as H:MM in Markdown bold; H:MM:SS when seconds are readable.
**8:14**
